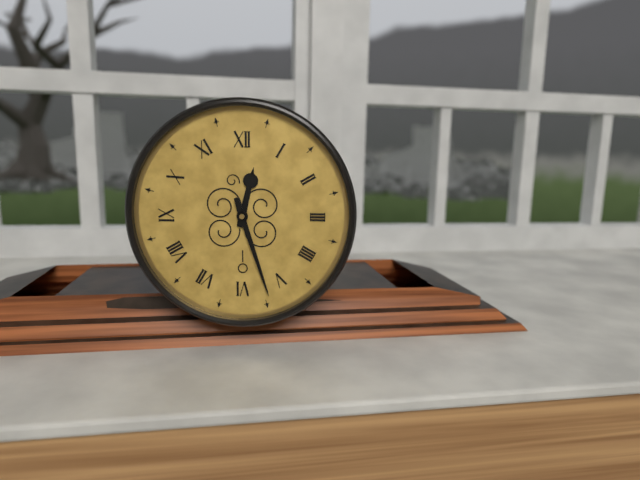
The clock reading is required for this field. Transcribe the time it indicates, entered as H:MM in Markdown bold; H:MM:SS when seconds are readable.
**12:27**
